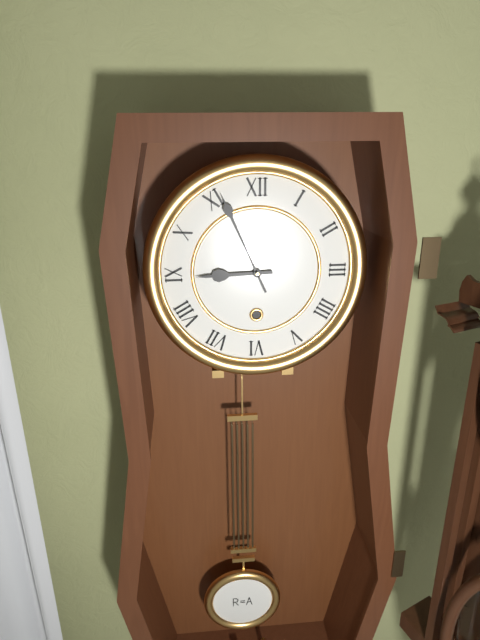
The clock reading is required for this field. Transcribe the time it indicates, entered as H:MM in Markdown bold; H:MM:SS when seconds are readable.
**8:56**
